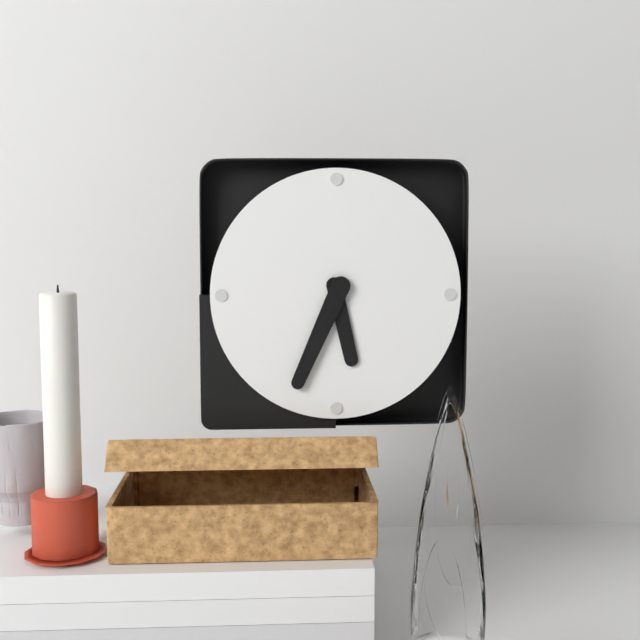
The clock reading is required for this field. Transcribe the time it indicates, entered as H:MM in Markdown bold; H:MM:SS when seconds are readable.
**5:34**
